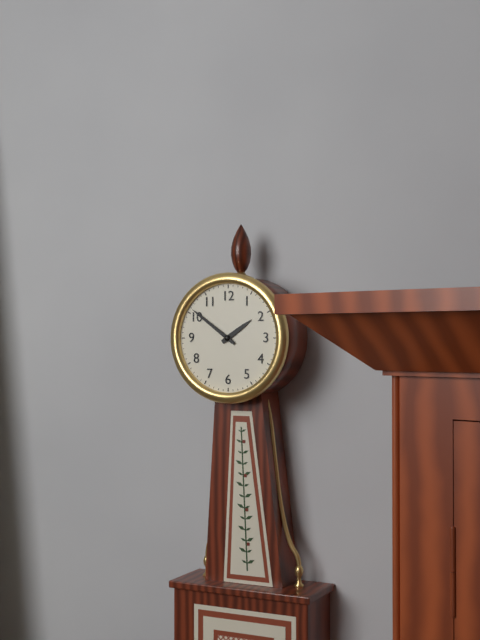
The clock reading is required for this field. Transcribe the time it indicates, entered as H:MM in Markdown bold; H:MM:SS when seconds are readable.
**1:51**
